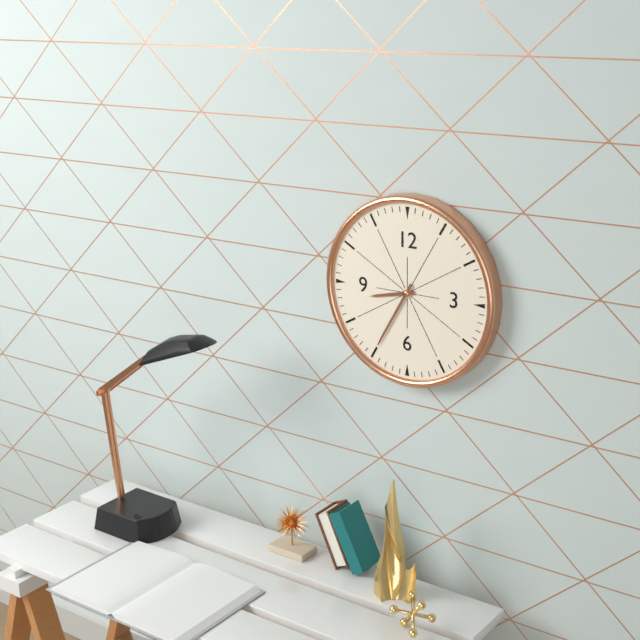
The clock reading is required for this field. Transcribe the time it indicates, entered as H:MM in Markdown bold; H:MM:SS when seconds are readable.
**8:35**
